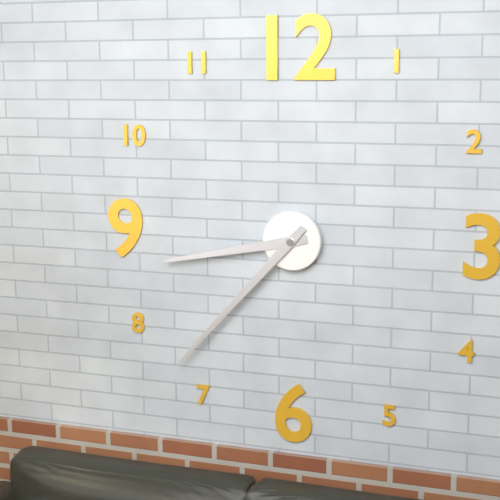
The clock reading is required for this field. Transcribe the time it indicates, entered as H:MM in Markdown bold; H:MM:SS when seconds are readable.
**8:37**
